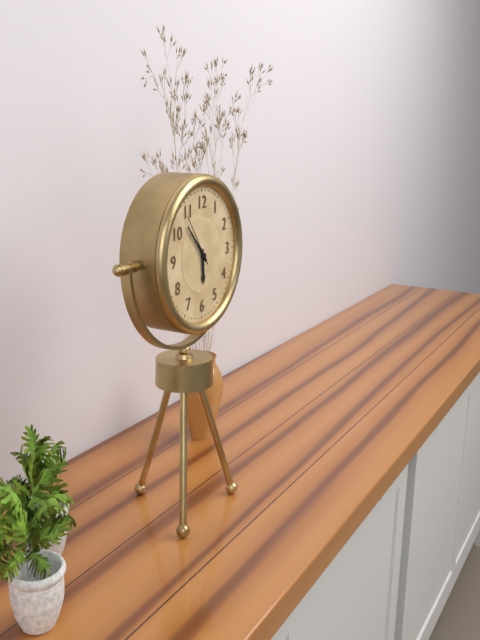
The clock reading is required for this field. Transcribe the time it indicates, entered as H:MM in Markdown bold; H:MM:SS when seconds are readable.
**5:53**
